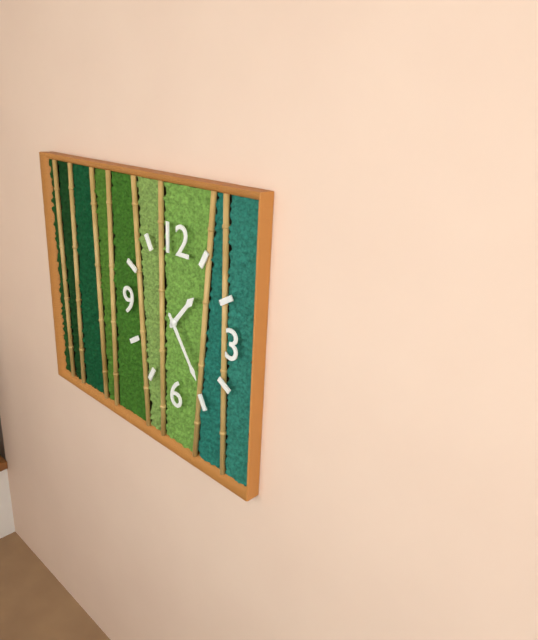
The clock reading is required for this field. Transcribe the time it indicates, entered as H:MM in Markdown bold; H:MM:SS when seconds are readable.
**1:24**
